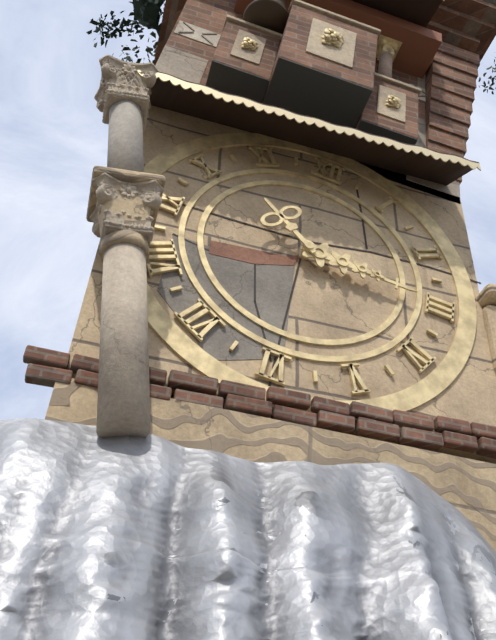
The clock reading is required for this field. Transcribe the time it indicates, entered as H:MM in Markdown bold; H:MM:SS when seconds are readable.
**10:15**
